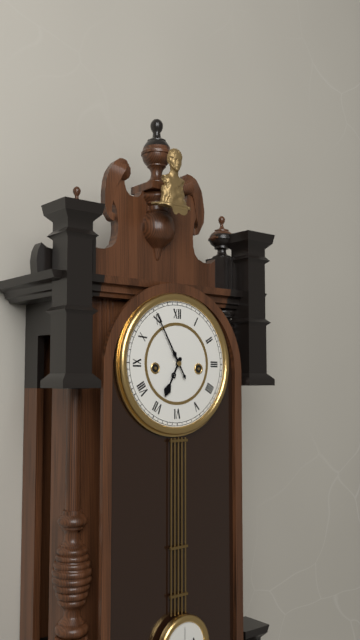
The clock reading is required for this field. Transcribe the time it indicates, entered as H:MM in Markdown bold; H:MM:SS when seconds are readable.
**6:55**
